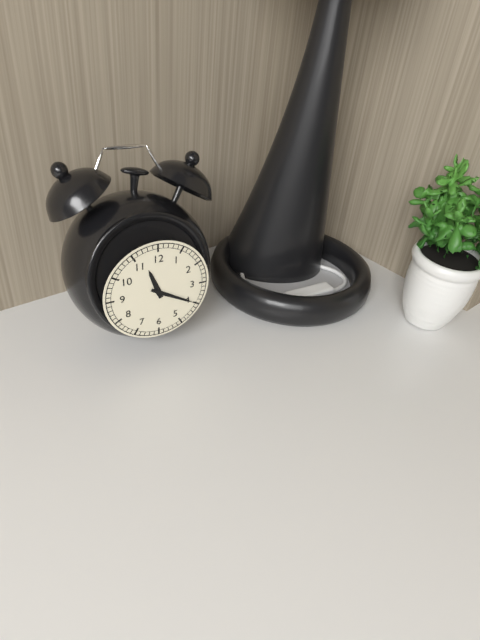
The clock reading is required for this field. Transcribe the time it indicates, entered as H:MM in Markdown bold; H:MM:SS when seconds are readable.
**11:20**
